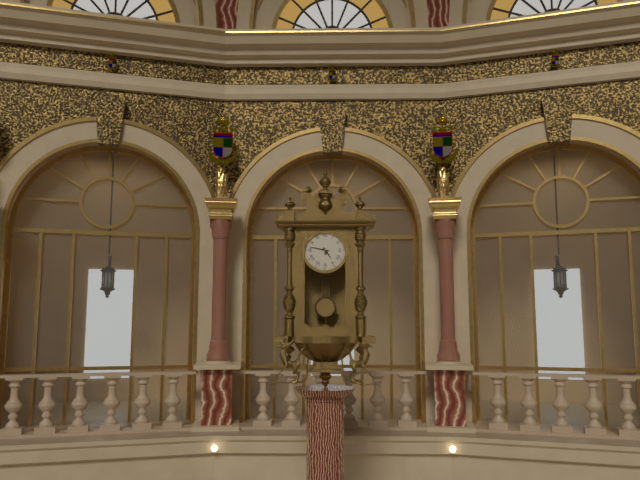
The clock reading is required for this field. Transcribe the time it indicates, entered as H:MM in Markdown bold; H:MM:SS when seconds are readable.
**4:47**
